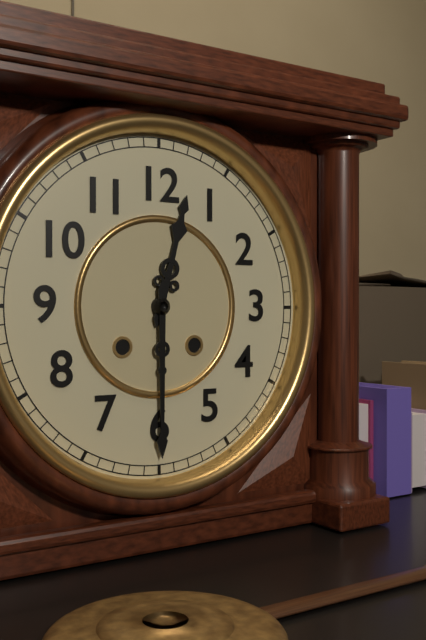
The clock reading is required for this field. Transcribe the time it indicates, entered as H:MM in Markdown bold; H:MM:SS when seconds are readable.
**12:30**
